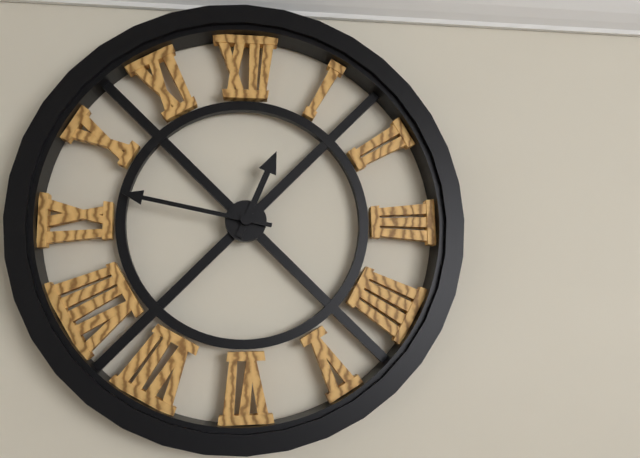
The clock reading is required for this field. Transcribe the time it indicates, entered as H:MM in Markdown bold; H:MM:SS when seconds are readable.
**12:47**
